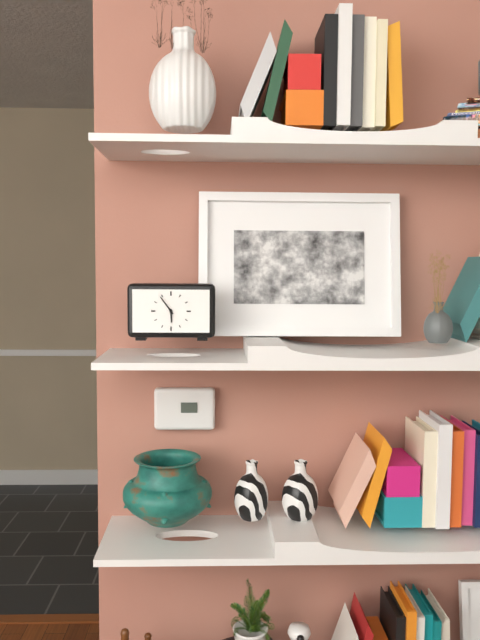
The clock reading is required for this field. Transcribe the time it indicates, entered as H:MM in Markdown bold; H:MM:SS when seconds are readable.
**5:54**
